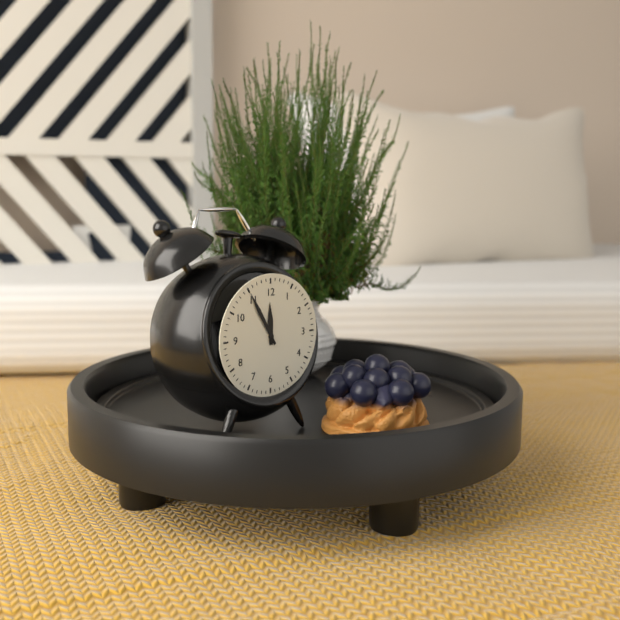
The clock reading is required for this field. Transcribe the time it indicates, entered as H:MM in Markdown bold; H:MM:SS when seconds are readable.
**11:55**
